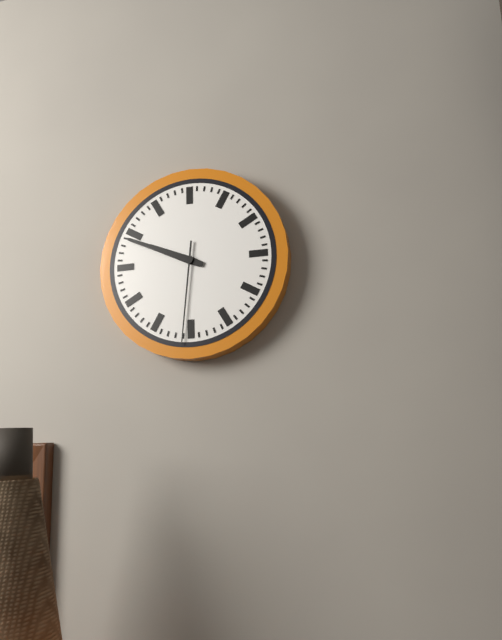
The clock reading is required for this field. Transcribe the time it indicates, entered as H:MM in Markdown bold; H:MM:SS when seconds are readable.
**9:49:31**
